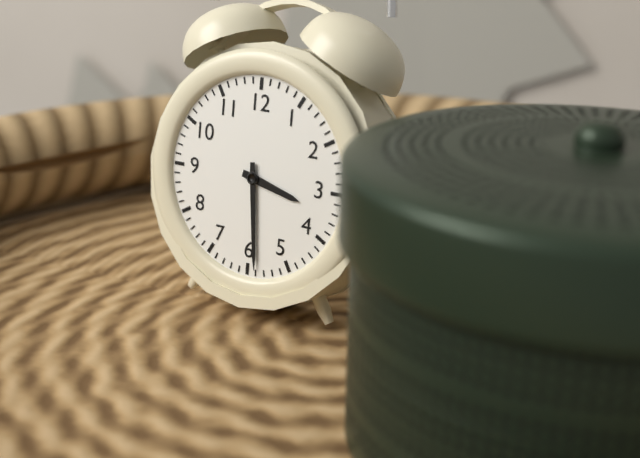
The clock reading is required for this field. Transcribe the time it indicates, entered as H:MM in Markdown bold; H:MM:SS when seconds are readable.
**3:29**
